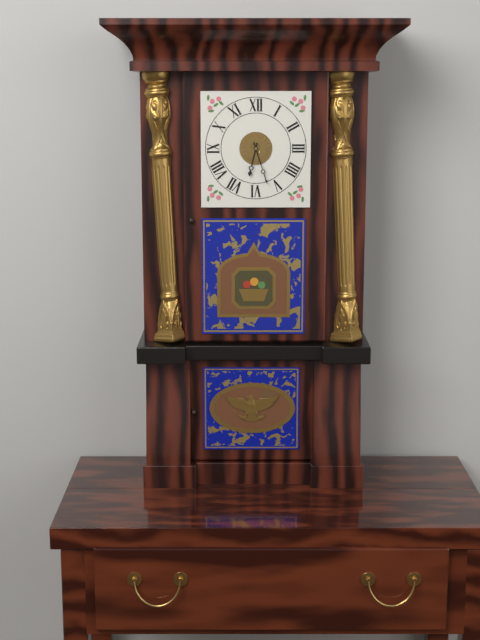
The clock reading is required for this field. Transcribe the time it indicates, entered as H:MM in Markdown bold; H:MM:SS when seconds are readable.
**6:27**
